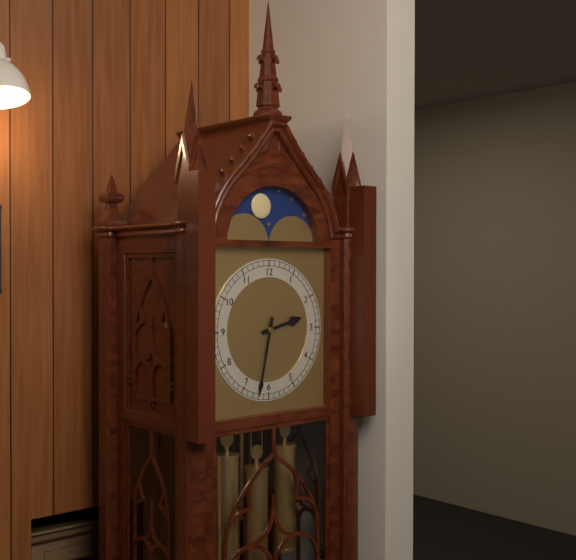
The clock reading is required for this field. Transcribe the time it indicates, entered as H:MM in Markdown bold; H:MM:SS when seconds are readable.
**2:32**
